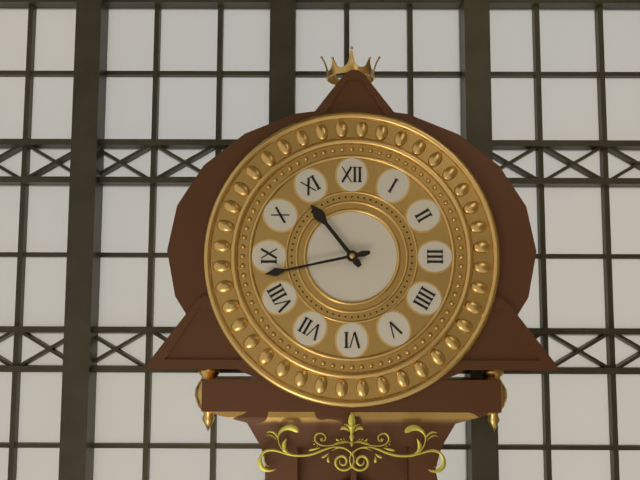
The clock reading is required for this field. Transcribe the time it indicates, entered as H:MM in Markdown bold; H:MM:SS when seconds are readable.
**10:43**
